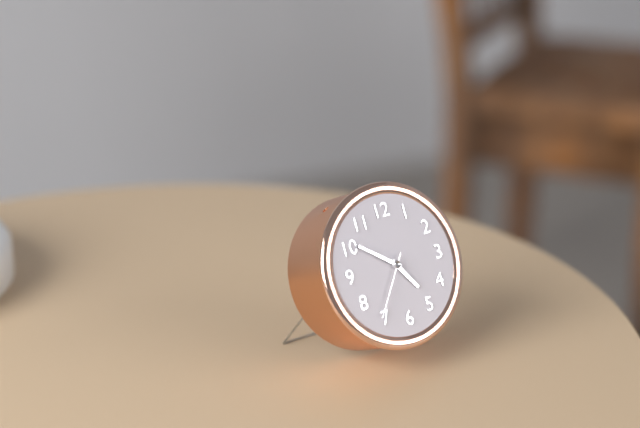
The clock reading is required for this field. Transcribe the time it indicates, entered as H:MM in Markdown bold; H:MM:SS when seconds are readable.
**4:51:36**
